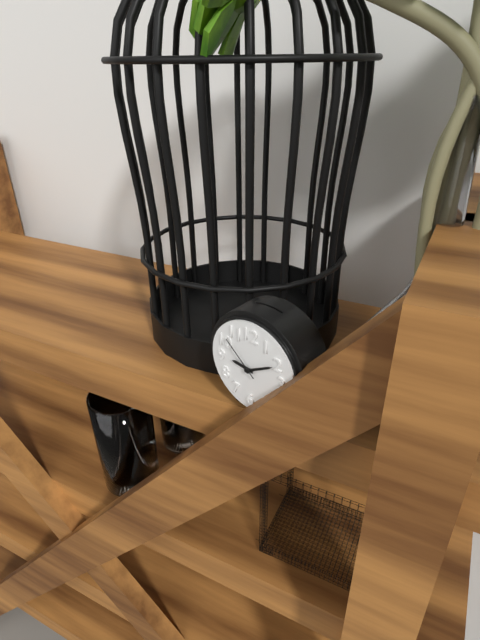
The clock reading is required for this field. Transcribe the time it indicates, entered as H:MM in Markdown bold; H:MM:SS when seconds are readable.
**9:10**
